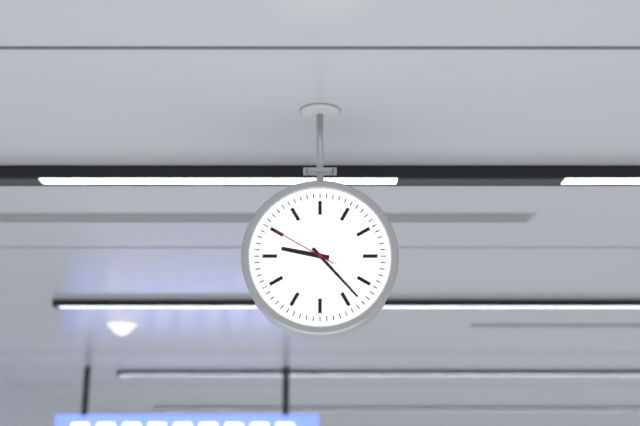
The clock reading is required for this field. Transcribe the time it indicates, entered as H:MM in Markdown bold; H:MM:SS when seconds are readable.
**9:23:50**
